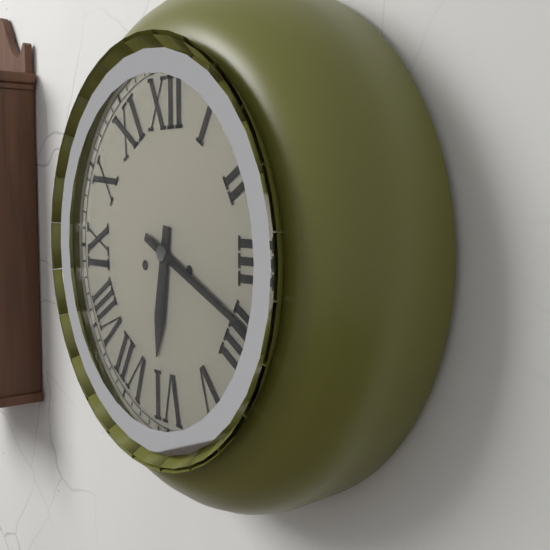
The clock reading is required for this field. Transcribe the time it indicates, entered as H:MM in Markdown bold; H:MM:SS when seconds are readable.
**6:19**
